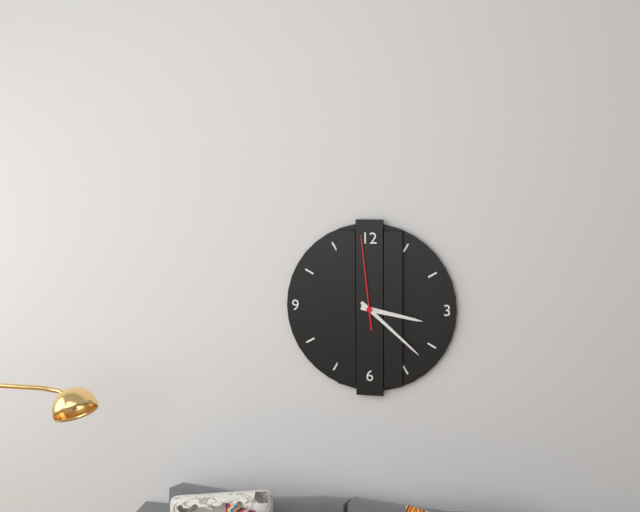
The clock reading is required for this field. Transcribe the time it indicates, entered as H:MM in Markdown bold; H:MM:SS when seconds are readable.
**3:22:59**
